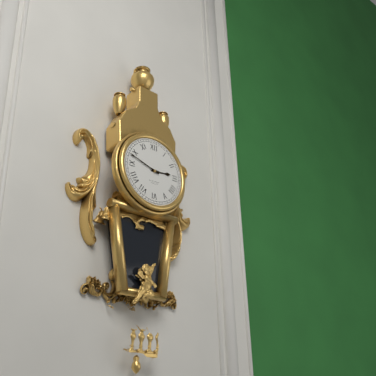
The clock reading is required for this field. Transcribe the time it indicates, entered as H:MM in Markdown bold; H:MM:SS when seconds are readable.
**2:48**
